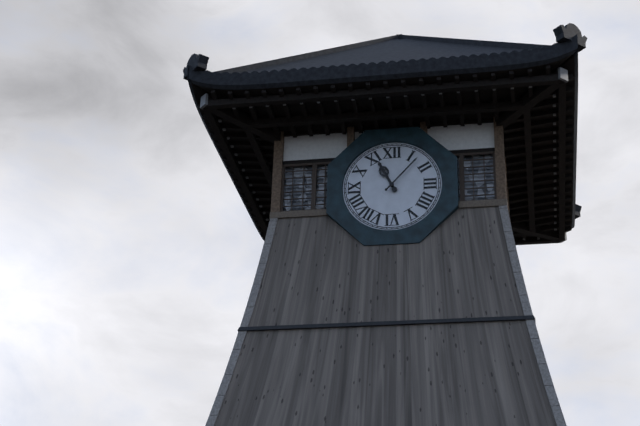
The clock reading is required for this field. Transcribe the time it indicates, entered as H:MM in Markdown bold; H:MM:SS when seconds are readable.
**11:07**
